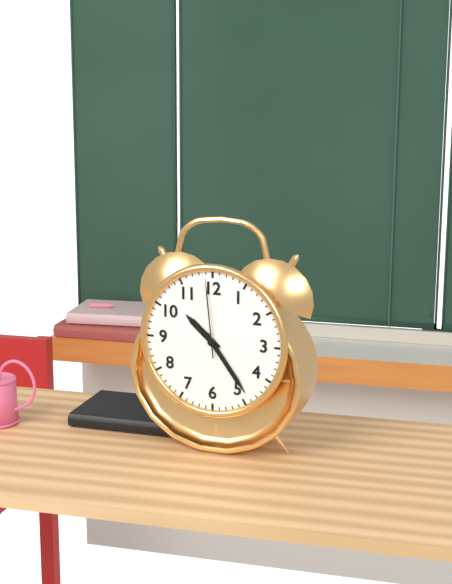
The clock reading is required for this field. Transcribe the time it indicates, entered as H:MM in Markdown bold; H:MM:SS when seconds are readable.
**10:24:59**
